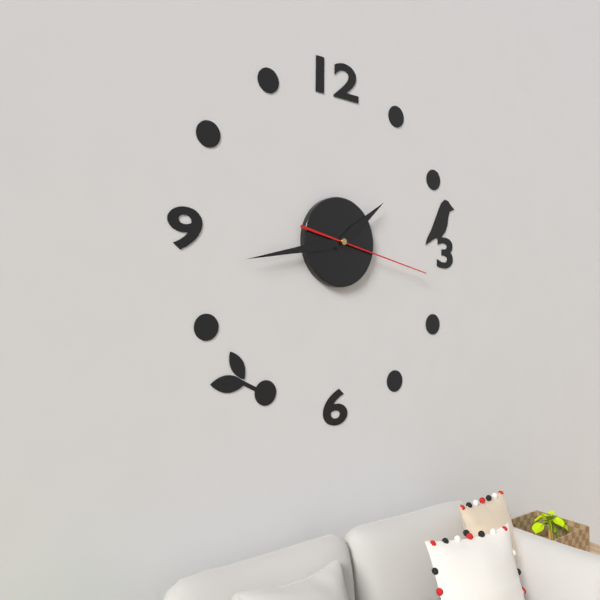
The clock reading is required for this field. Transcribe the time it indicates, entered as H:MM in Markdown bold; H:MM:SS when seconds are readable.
**1:43:17**
